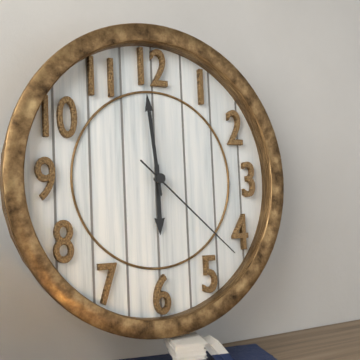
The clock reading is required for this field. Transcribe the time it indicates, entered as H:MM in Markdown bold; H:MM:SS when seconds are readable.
**5:59:22**
